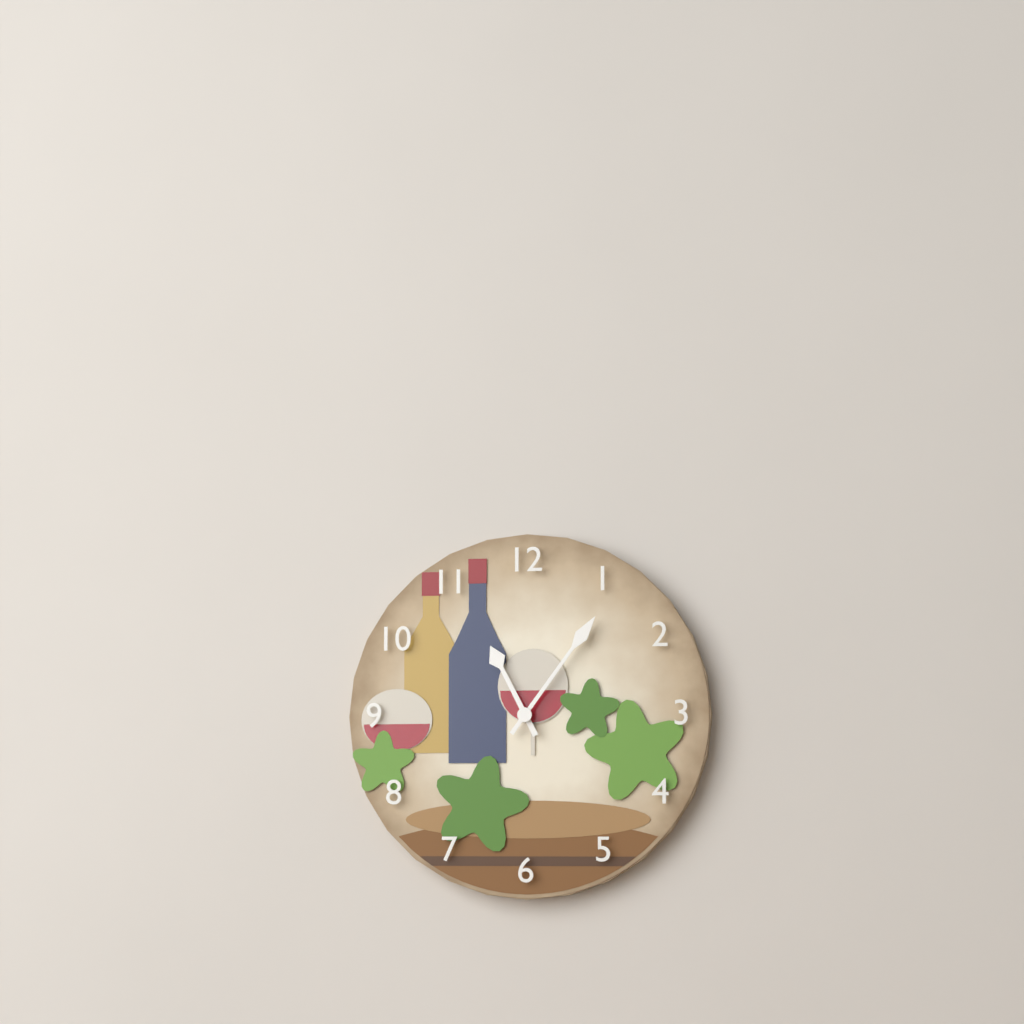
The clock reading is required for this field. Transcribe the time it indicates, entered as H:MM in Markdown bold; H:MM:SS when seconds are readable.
**11:06**
